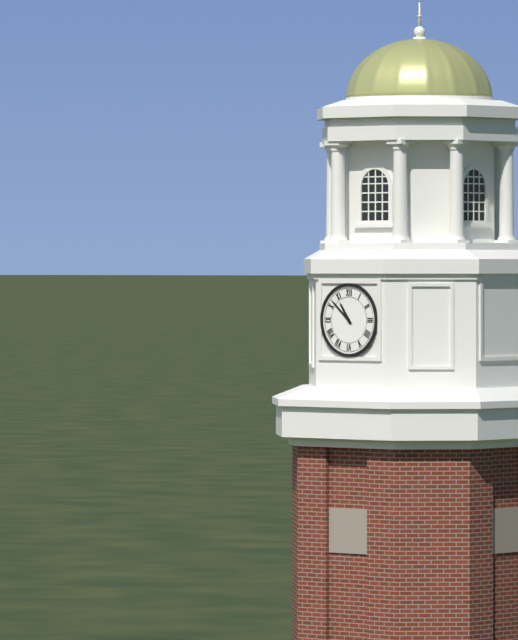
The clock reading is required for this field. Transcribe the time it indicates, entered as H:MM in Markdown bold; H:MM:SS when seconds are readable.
**10:52**
